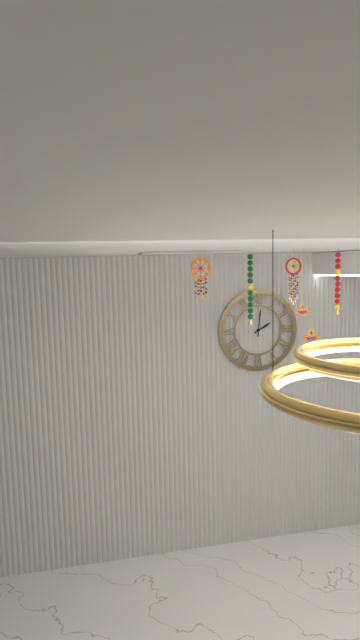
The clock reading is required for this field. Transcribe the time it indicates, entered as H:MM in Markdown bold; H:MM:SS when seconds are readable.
**2:01**
